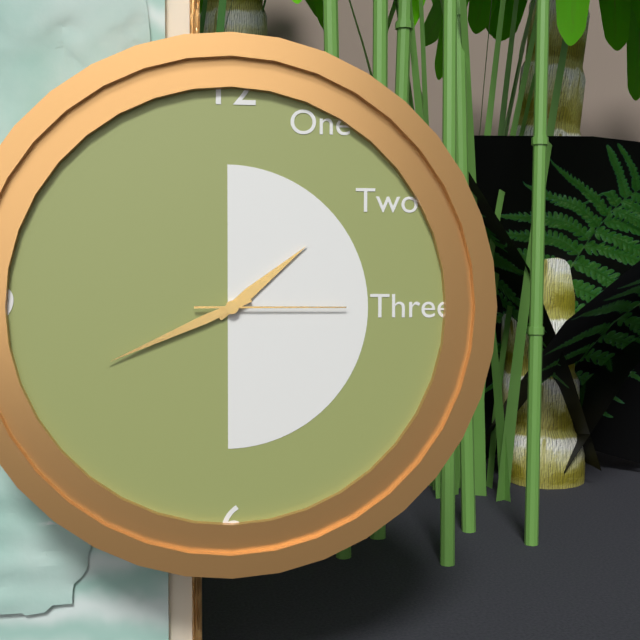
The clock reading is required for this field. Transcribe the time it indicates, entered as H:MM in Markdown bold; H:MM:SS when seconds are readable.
**1:41:15**
